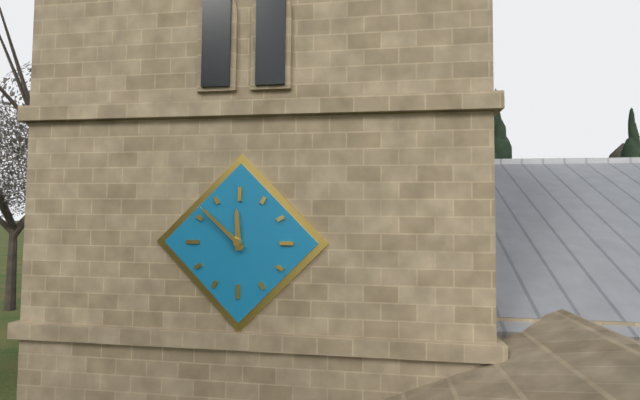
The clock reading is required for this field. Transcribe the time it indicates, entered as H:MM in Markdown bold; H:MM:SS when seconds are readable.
**11:52**
